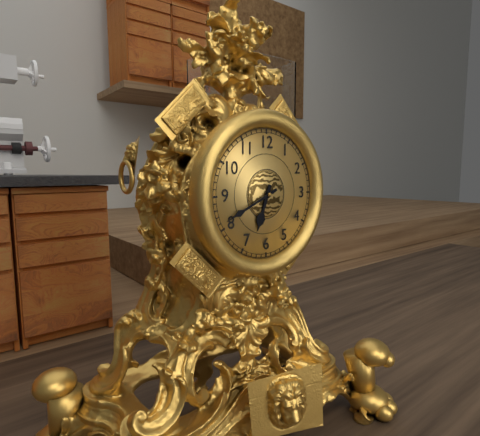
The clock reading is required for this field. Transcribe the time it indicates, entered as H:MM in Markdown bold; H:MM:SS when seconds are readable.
**6:41**
